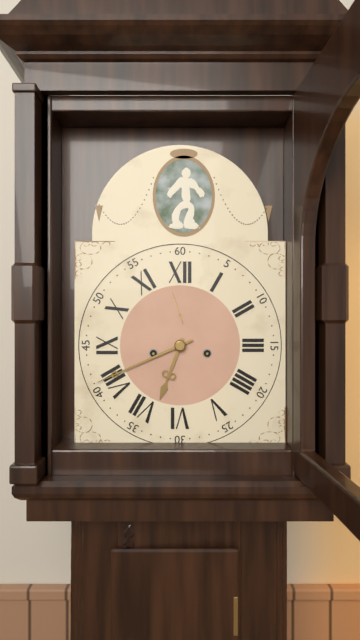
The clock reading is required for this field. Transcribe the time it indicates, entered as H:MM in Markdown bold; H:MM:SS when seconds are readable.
**6:41**
